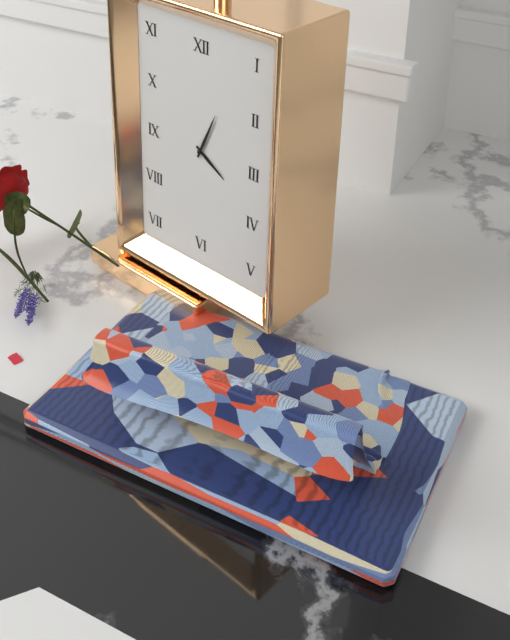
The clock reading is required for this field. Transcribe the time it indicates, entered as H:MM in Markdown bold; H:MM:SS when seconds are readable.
**4:04**
